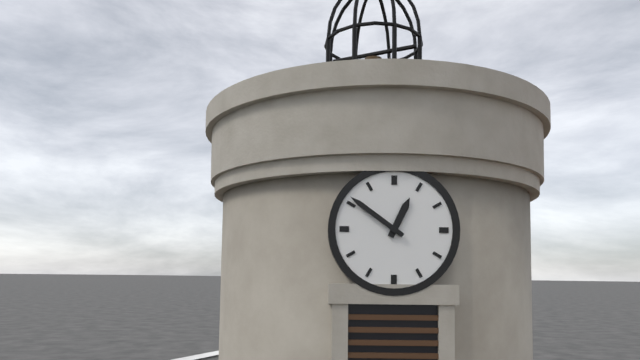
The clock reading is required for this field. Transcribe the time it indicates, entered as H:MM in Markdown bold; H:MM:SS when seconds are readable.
**12:51**
